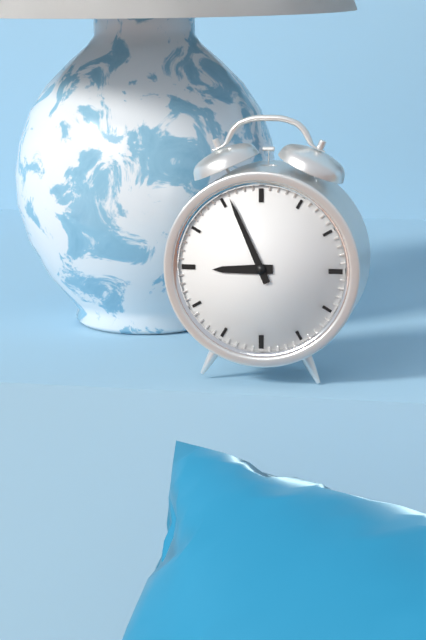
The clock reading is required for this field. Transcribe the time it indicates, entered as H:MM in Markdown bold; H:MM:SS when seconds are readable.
**8:56**
